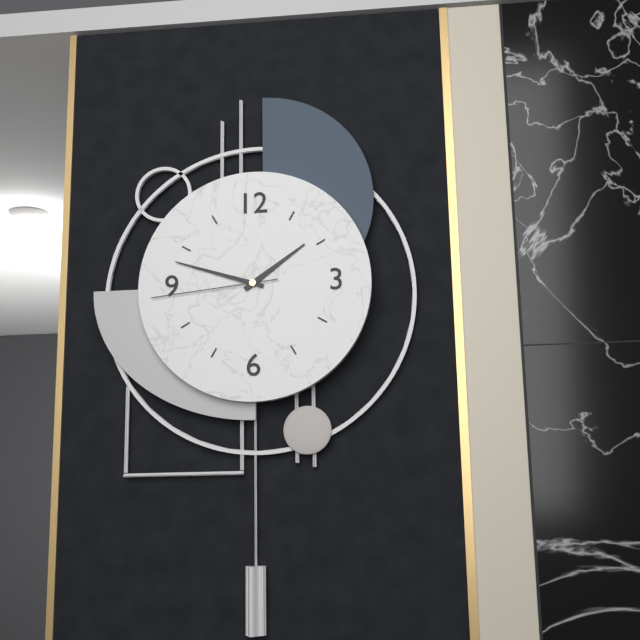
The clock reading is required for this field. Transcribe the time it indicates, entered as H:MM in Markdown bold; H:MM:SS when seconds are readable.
**1:48:44**
